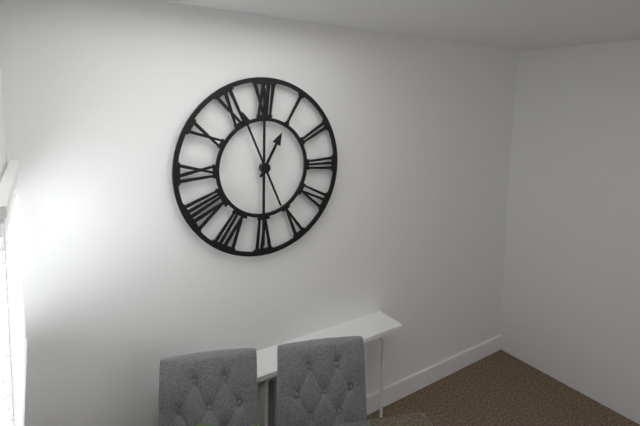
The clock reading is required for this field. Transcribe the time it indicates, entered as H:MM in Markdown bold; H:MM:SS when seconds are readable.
**12:56**
